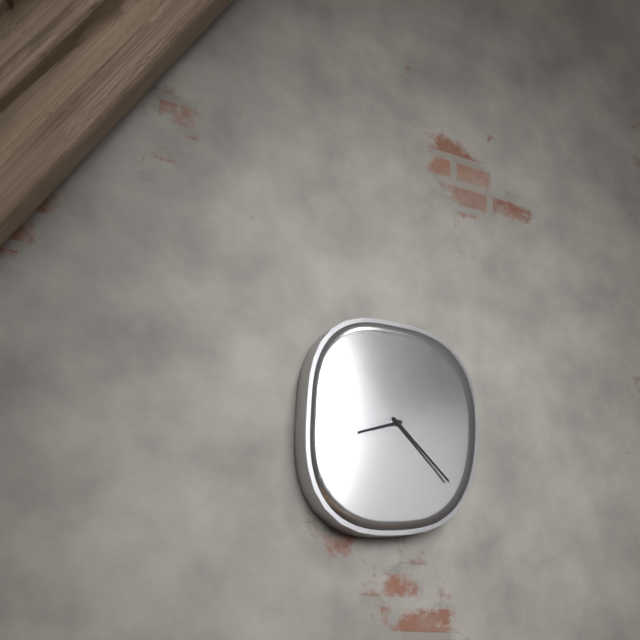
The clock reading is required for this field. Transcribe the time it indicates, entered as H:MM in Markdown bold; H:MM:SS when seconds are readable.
**8:22**
